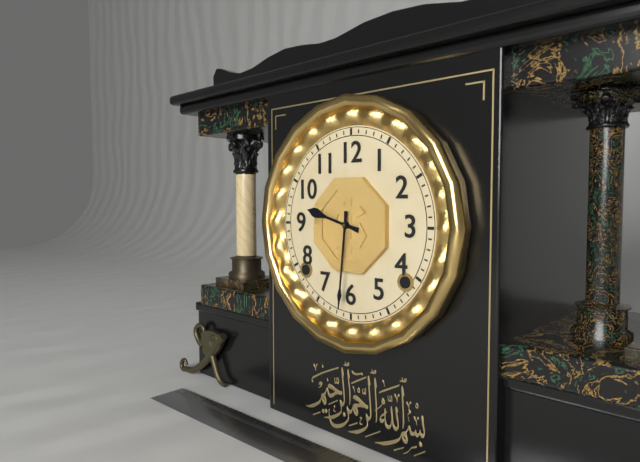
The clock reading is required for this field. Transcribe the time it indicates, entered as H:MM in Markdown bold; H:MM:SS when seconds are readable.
**9:31**
